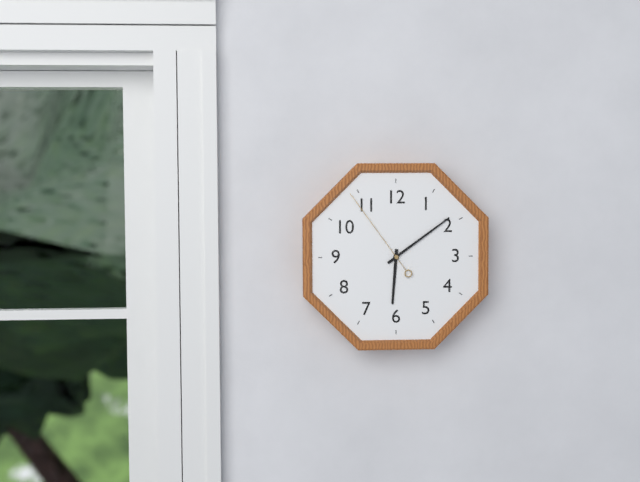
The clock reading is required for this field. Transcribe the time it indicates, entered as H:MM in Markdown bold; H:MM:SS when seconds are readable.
**6:09:54**
